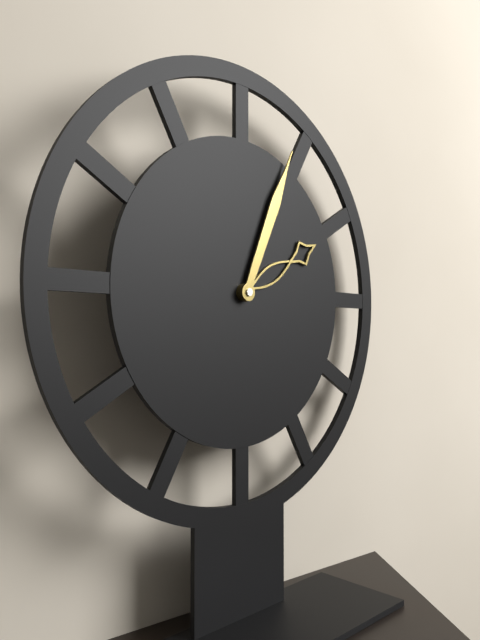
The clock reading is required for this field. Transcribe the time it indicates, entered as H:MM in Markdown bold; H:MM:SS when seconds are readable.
**2:04**
